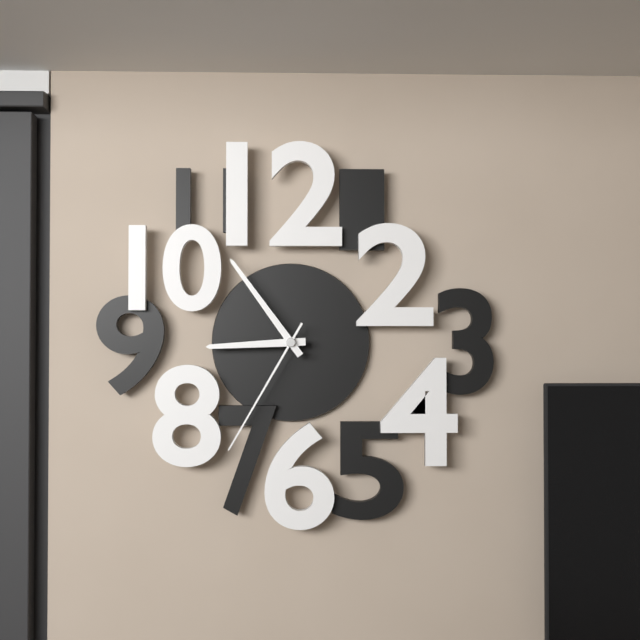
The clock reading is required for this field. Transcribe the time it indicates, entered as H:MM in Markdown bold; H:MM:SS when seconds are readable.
**8:54:35**
